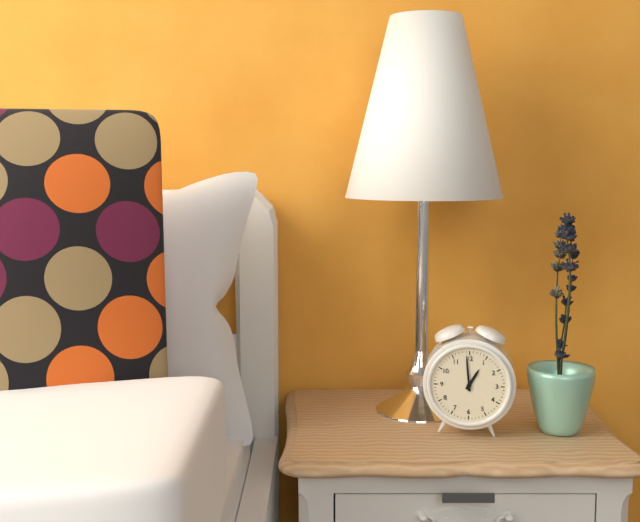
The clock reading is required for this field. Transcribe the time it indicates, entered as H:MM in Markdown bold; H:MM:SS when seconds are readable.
**12:59**
